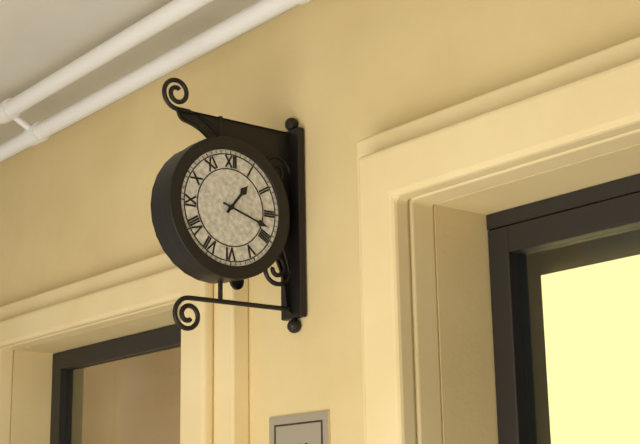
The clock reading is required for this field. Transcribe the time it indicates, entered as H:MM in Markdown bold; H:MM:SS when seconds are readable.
**1:18**
